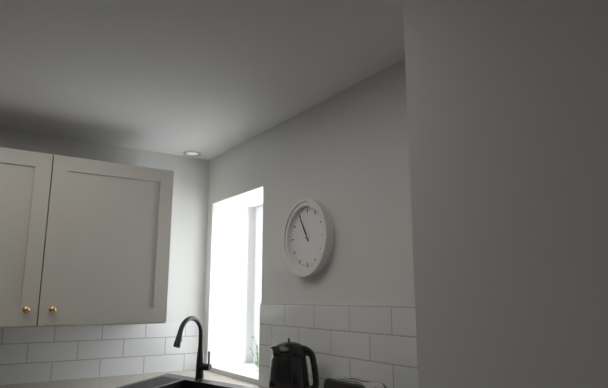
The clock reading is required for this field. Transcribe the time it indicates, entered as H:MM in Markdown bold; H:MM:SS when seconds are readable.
**10:55**
